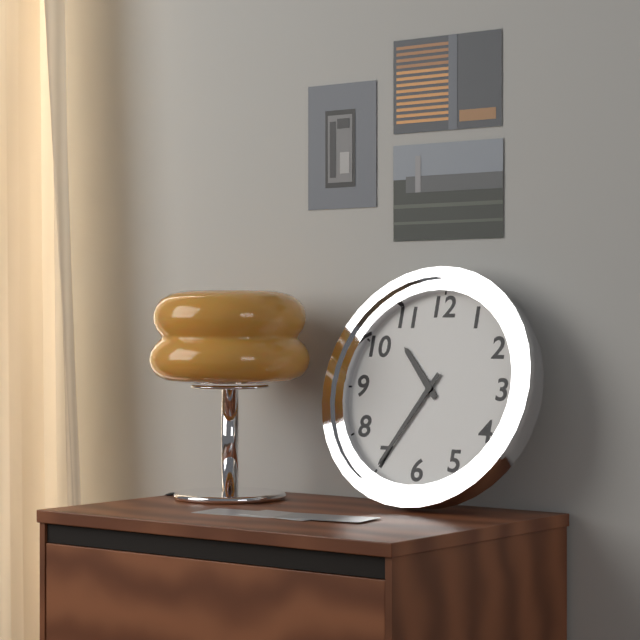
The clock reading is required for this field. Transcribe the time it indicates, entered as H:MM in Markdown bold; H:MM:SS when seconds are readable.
**10:35**
